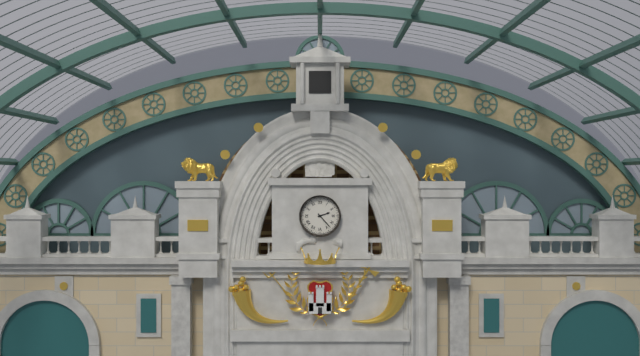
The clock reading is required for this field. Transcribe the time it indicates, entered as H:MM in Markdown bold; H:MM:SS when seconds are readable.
**2:23**
